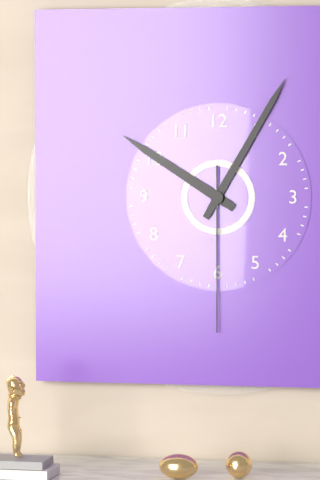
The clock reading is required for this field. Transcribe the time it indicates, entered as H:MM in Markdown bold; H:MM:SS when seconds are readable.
**10:05:30**
